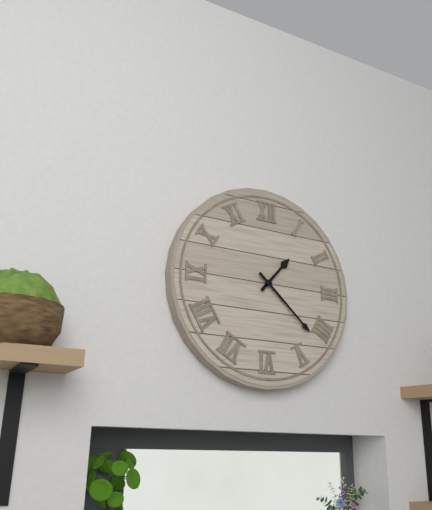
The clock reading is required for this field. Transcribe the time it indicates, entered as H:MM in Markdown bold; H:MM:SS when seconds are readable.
**1:22**
